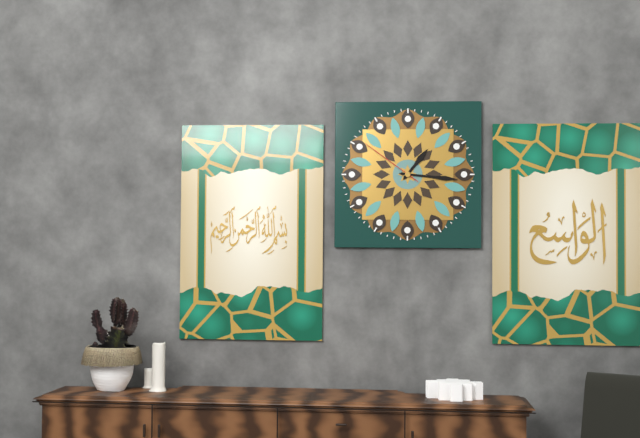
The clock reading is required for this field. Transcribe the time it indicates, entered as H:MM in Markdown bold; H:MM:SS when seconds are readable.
**1:16:51**
